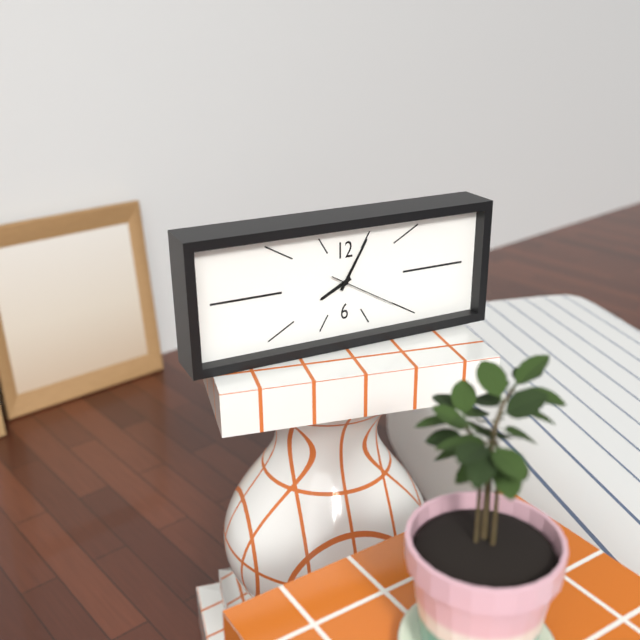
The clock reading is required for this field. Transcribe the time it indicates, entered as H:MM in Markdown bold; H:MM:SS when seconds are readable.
**8:05:20**
